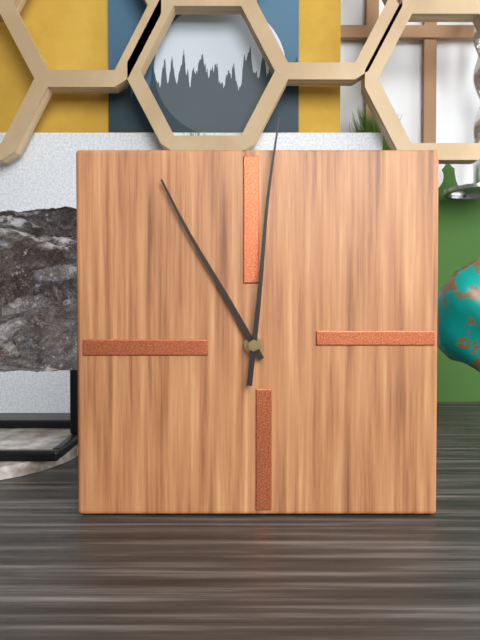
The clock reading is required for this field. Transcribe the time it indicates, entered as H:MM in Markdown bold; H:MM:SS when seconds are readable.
**11:01**
